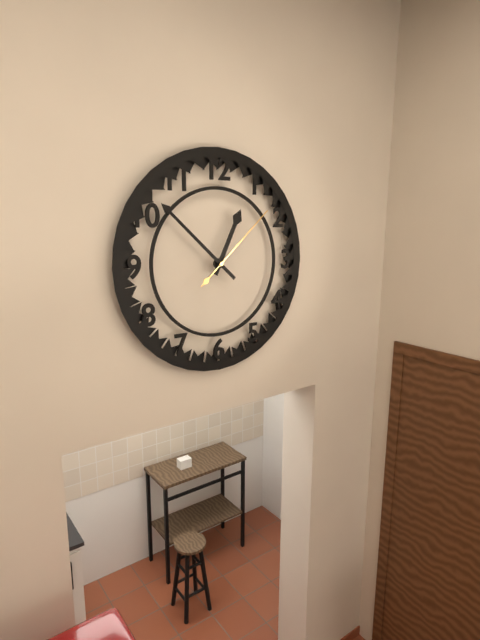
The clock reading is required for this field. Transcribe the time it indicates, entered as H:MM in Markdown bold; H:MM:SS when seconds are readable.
**12:52:08**
